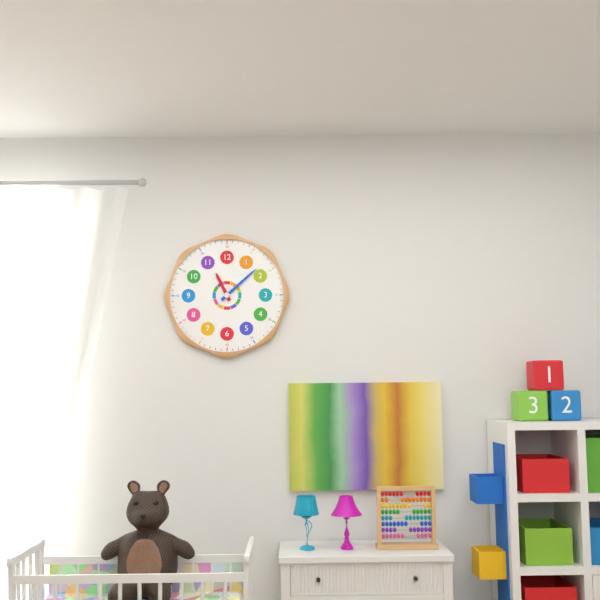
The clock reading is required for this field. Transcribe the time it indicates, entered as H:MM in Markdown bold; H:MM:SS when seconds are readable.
**11:08**
